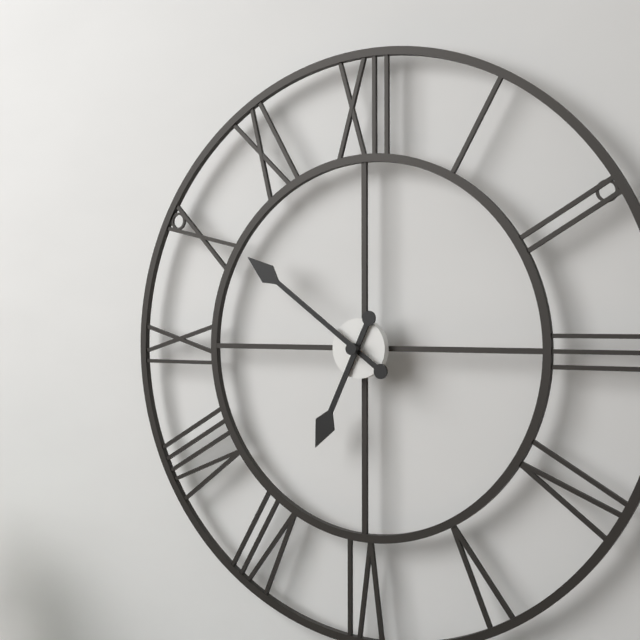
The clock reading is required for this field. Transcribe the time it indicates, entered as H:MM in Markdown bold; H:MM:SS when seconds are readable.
**6:51**
